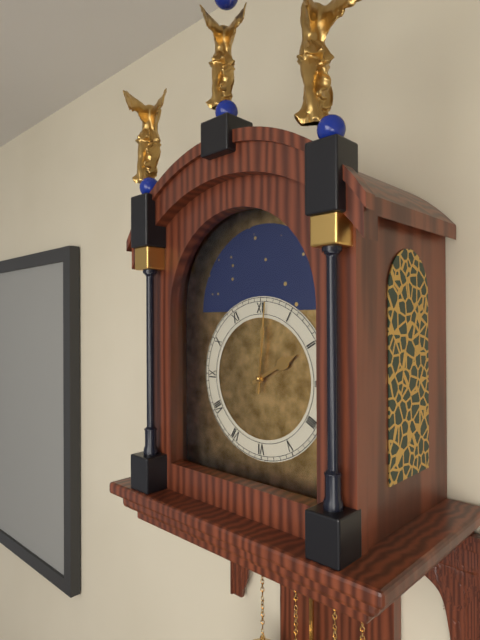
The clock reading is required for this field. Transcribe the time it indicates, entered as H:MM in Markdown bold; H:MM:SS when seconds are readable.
**2:01**
